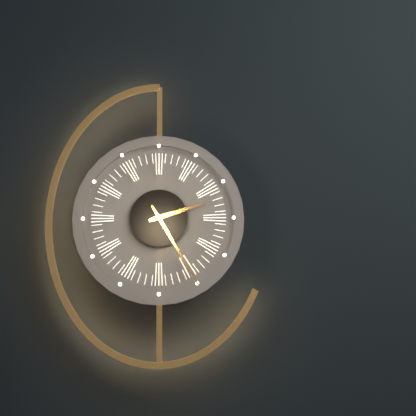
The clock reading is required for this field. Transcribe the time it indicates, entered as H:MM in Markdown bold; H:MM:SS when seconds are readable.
**2:25**
